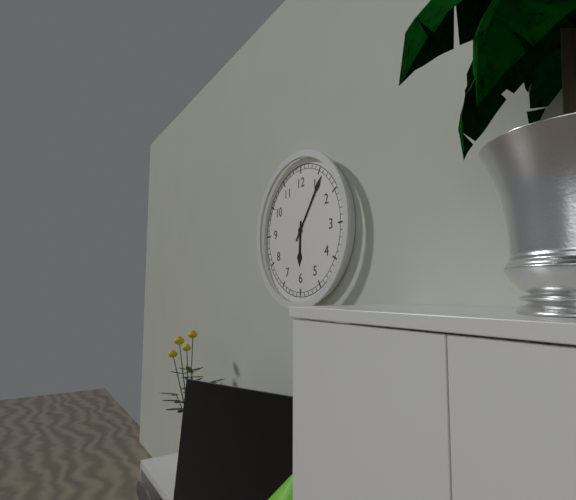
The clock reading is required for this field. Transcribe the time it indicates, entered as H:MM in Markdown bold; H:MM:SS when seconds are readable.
**6:06**
